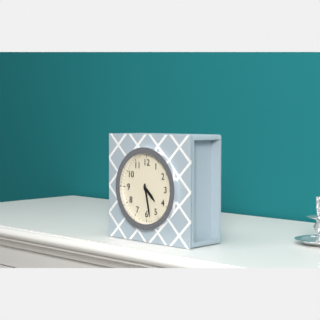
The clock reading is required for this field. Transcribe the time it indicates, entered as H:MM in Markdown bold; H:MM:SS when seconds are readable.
**4:28**
